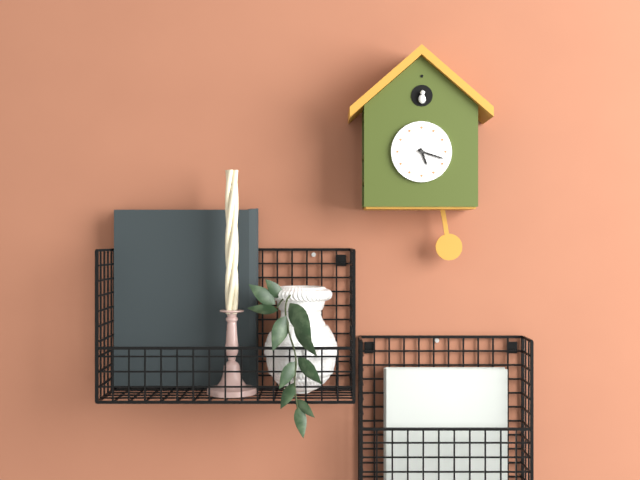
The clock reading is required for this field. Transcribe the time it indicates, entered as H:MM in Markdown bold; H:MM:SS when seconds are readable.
**5:18**
